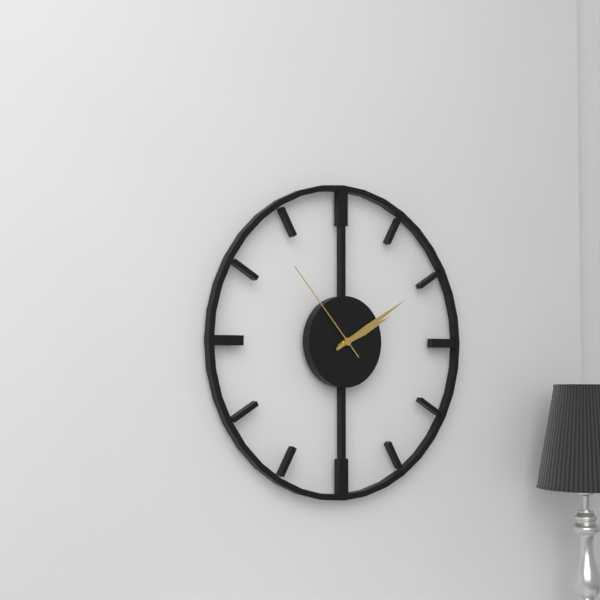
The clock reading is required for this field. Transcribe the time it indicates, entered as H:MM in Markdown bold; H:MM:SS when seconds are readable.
**2:10:53**
